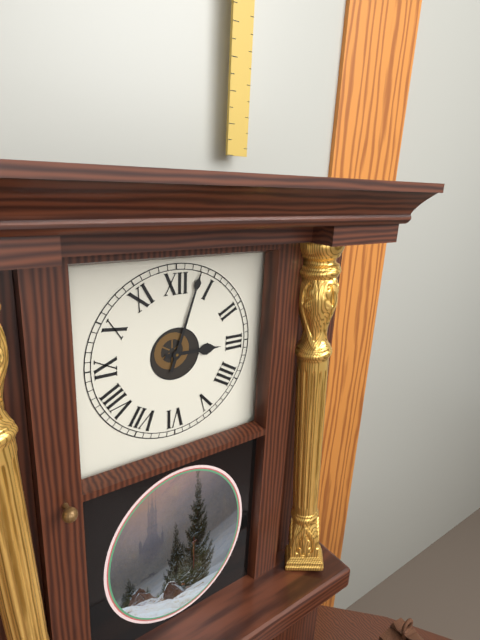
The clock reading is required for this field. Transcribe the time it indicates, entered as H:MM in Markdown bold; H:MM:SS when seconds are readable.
**3:03**
